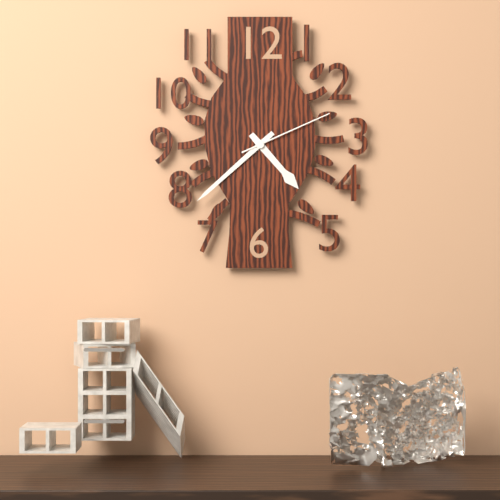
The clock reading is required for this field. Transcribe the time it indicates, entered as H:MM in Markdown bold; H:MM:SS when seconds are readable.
**4:38:11**
